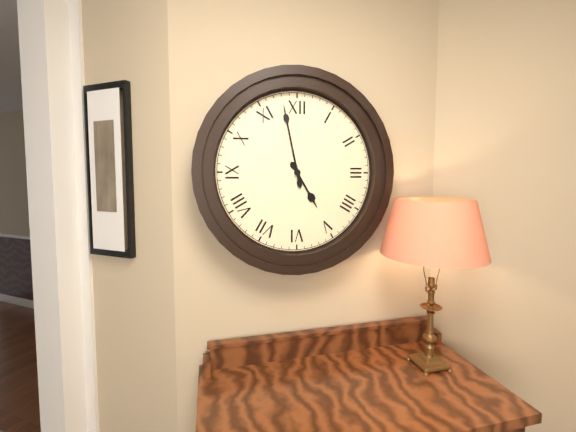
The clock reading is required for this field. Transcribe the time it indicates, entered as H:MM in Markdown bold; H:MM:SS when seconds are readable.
**4:58**
